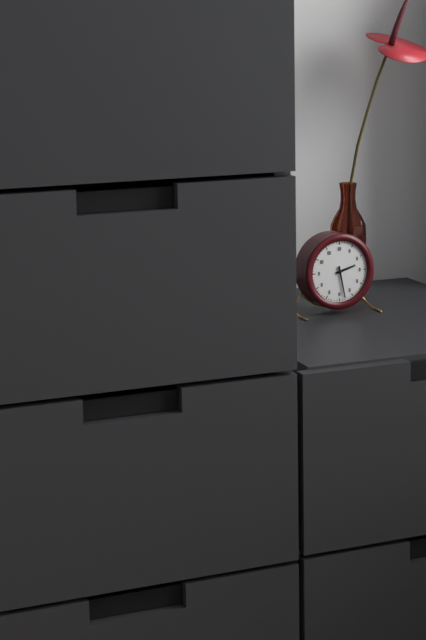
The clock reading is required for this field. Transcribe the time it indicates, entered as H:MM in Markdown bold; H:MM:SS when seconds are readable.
**2:28**
